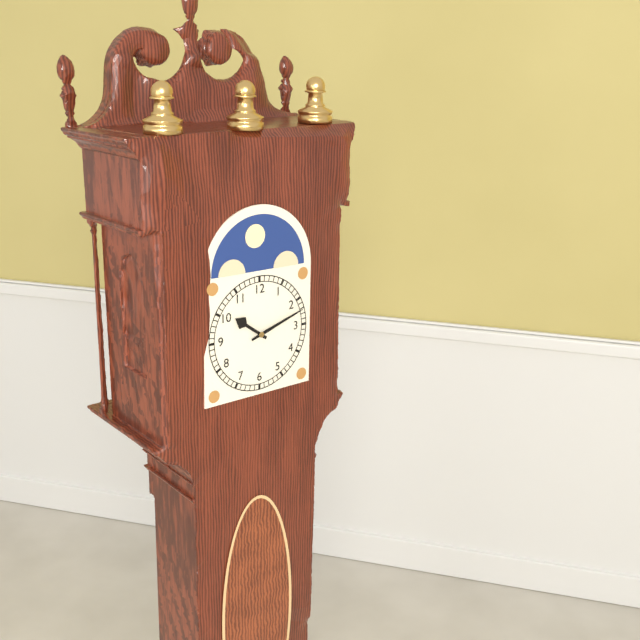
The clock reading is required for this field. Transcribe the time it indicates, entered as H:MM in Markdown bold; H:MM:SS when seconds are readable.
**10:12**
